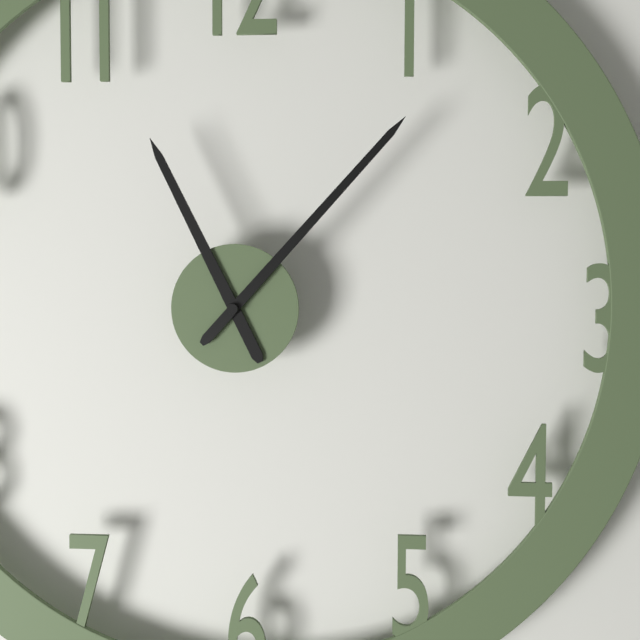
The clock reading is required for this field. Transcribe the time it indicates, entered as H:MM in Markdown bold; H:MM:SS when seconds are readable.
**11:07**
